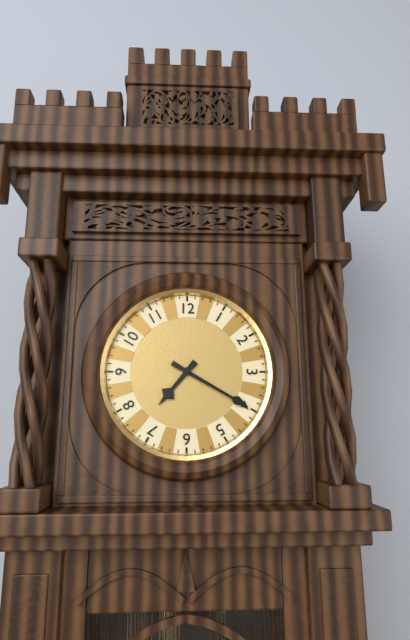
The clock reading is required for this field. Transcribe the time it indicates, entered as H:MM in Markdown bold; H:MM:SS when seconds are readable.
**7:20**
